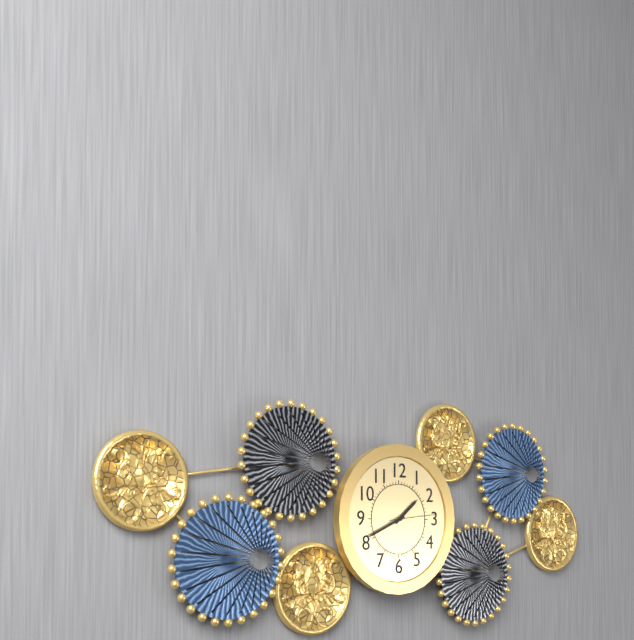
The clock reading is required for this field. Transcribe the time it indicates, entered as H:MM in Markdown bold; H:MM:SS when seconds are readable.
**1:41**
